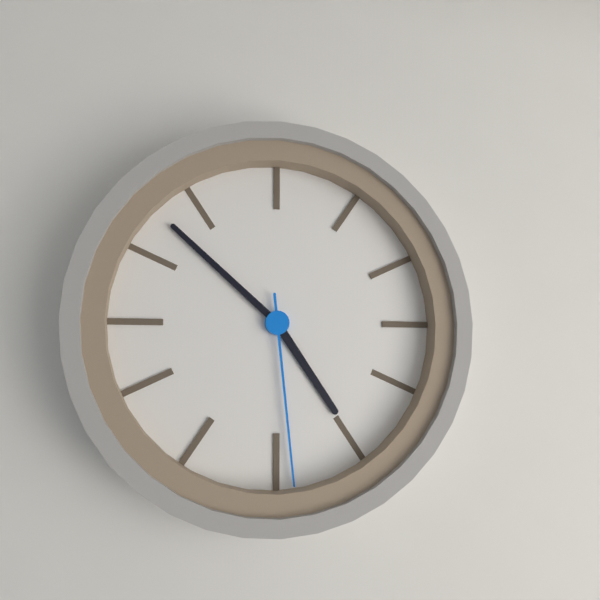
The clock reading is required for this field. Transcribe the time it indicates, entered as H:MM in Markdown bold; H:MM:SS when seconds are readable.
**4:52:29**
